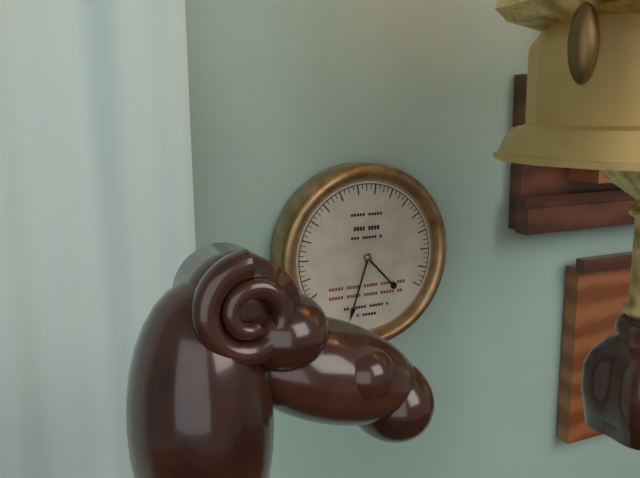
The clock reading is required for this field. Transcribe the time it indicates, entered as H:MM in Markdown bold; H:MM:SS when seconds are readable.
**4:33**
